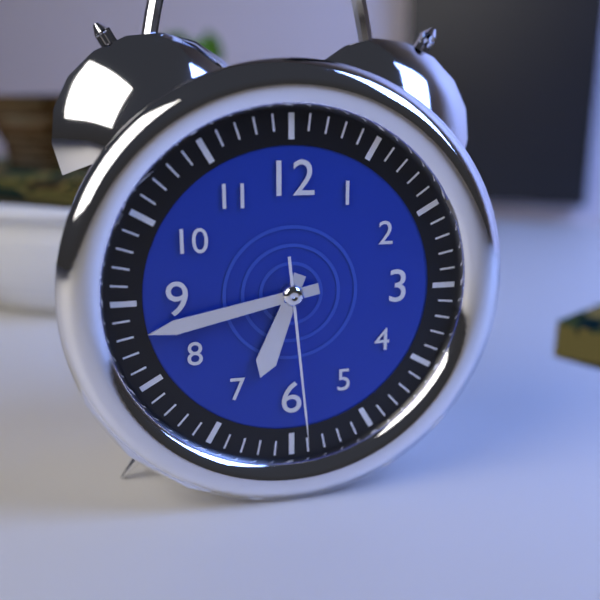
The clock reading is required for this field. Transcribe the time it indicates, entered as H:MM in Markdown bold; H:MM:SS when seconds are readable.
**6:43:29**
